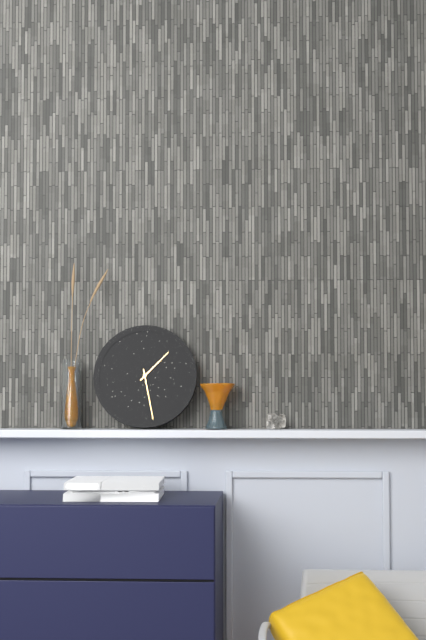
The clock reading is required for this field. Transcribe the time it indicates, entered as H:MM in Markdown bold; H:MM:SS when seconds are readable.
**1:28**
